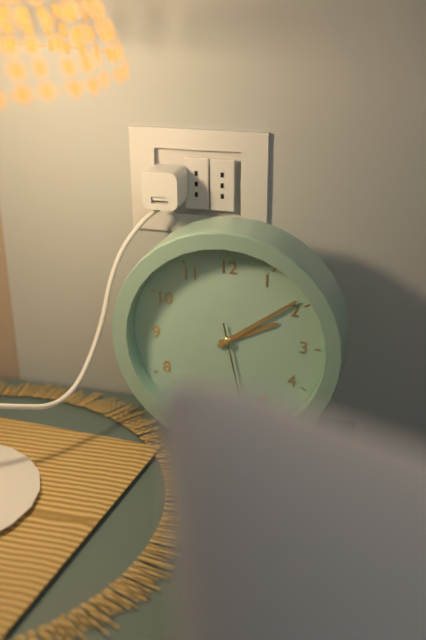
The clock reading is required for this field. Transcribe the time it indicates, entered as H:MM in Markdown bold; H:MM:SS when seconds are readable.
**2:09**
